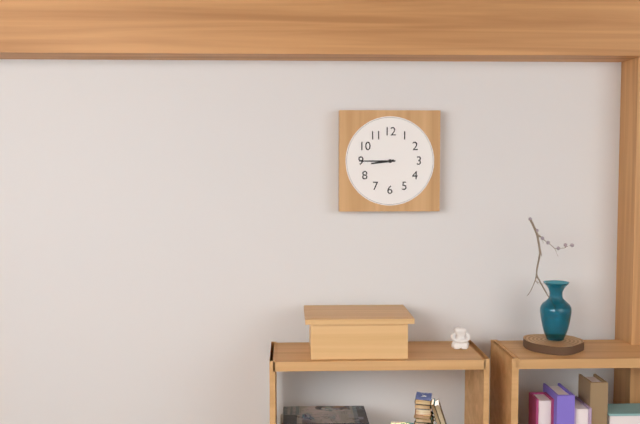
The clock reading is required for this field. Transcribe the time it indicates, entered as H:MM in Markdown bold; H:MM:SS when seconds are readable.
**8:45**
